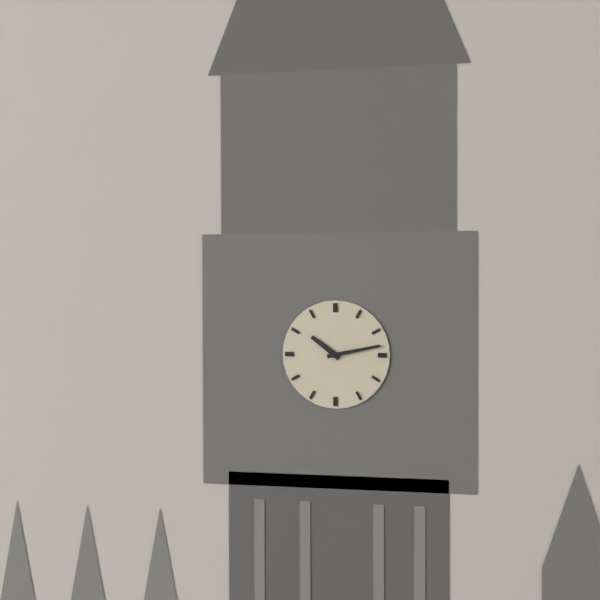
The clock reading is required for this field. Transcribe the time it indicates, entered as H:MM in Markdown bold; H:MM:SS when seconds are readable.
**10:13**
